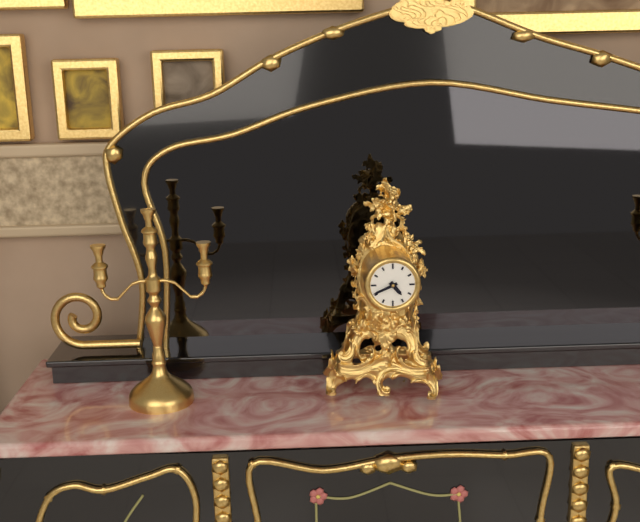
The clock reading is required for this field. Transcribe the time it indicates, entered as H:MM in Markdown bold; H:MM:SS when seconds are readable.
**4:41**
